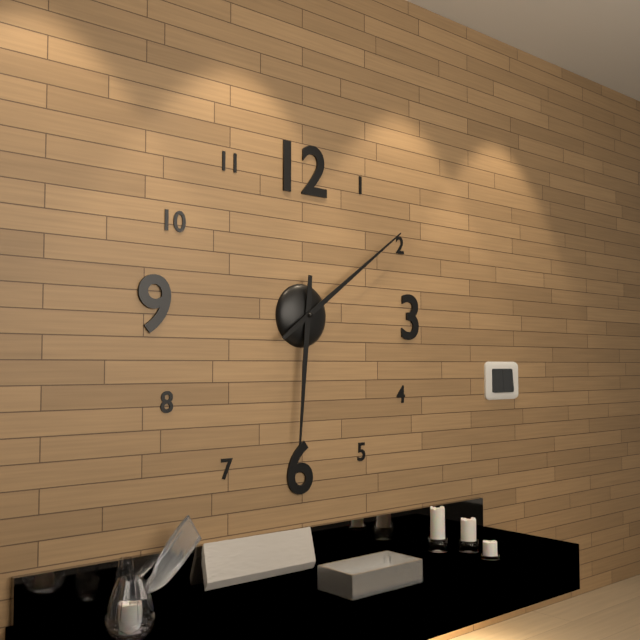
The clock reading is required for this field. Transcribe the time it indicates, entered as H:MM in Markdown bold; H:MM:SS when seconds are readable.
**6:09**
